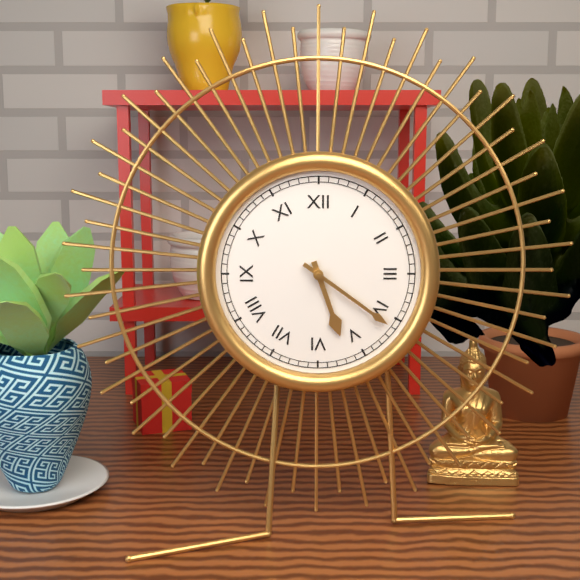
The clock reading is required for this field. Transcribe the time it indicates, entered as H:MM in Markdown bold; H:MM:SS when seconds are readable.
**5:21**
